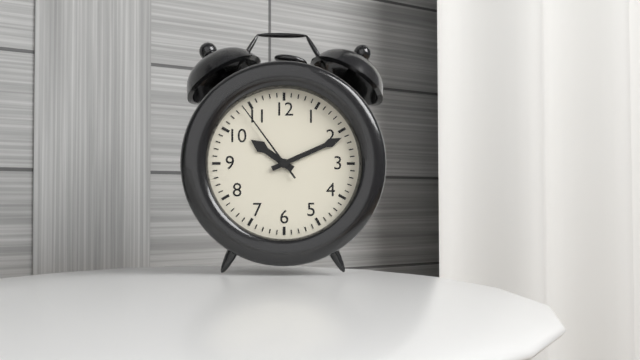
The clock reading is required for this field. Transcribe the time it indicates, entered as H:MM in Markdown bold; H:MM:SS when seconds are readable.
**10:11:54**
